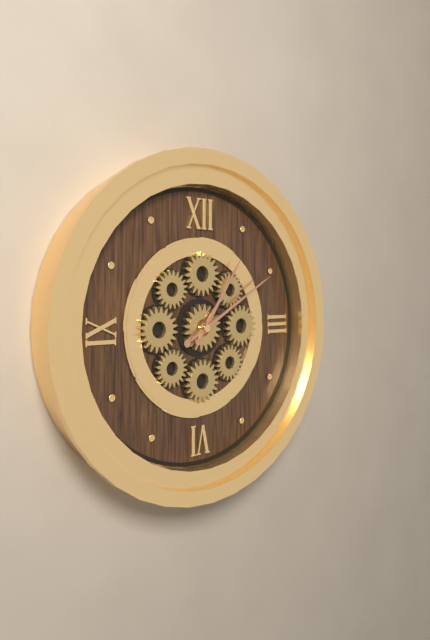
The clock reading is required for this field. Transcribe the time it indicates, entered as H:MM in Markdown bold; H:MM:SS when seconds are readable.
**1:10**
